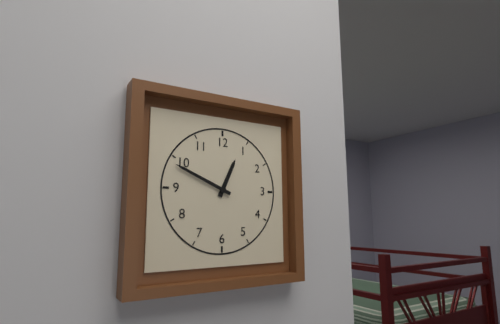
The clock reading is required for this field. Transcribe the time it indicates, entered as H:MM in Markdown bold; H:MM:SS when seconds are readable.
**12:49**
